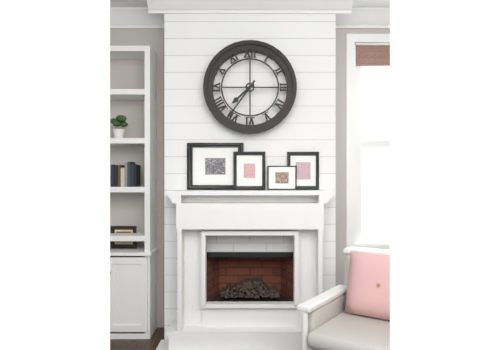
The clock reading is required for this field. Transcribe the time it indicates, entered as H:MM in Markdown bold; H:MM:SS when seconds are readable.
**7:36**
